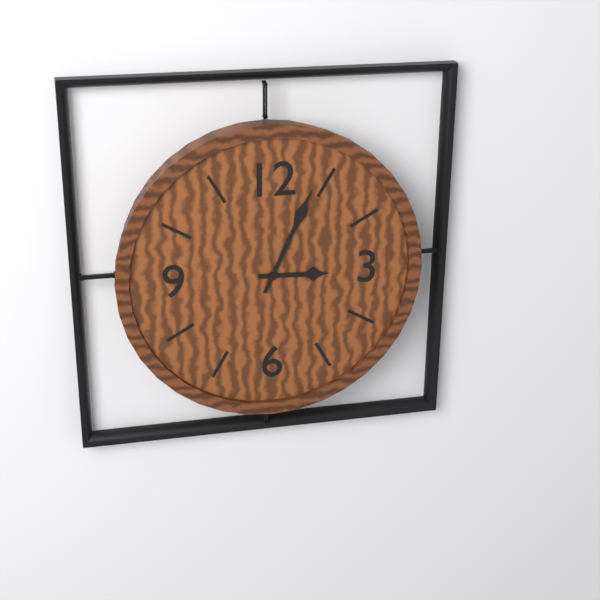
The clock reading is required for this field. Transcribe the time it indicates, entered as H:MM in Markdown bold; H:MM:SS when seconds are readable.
**3:04**
